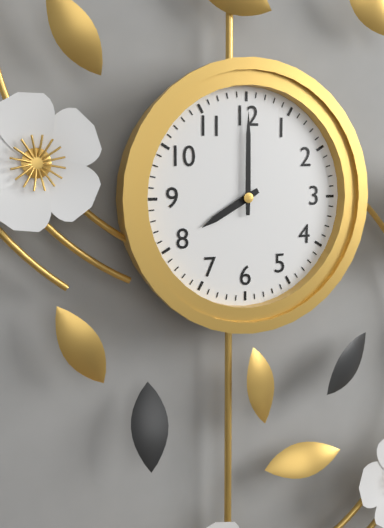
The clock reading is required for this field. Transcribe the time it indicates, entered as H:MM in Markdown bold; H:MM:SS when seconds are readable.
**8:00**
